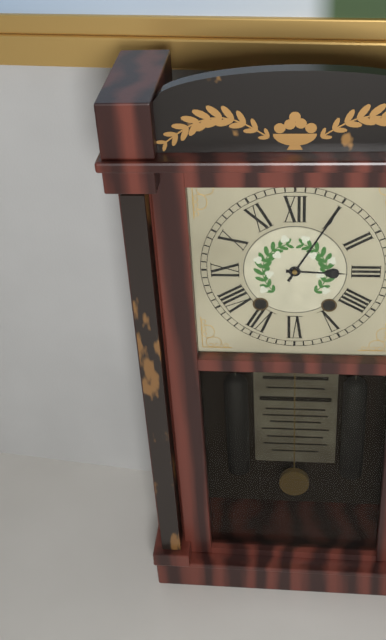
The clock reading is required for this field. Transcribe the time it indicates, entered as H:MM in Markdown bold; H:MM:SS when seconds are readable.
**3:05**
